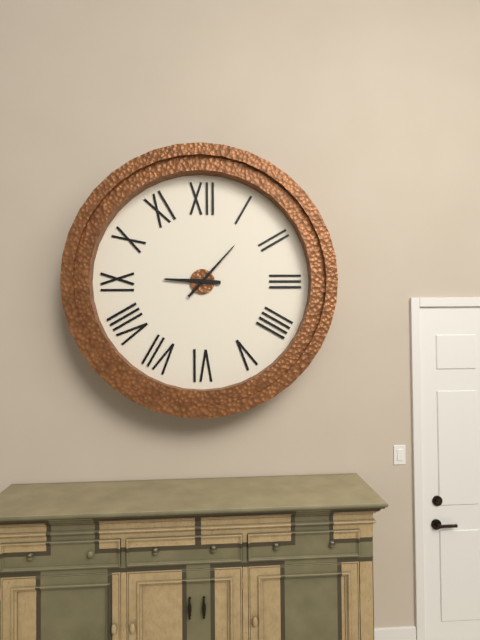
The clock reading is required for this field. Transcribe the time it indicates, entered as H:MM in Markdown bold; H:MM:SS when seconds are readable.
**9:07**
